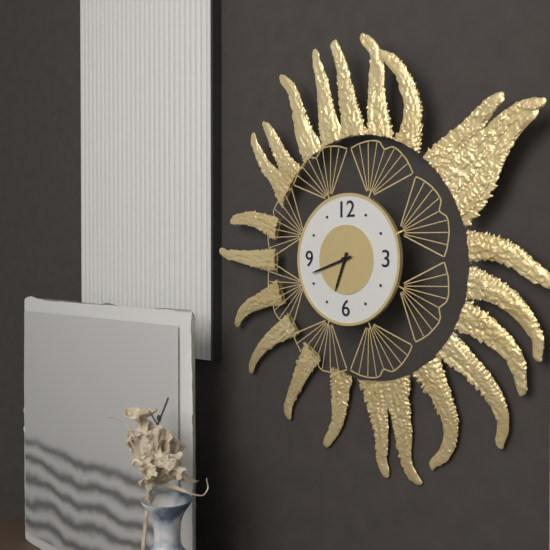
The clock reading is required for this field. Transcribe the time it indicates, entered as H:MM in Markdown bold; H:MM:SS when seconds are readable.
**6:42**
